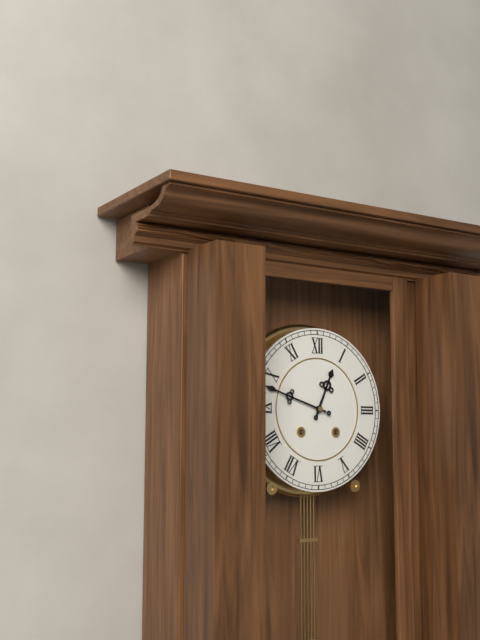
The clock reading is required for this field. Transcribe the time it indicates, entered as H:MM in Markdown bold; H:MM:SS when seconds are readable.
**12:48**
